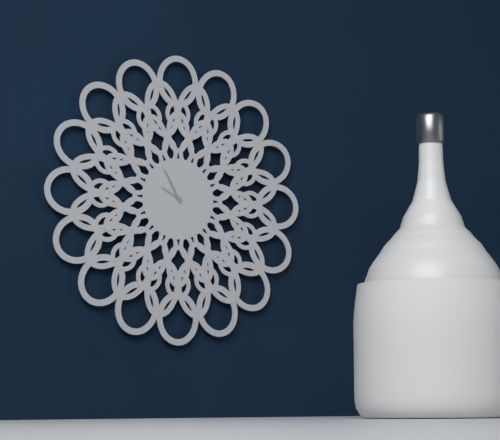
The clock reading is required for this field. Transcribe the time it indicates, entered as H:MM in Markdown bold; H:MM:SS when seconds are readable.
**9:55**
